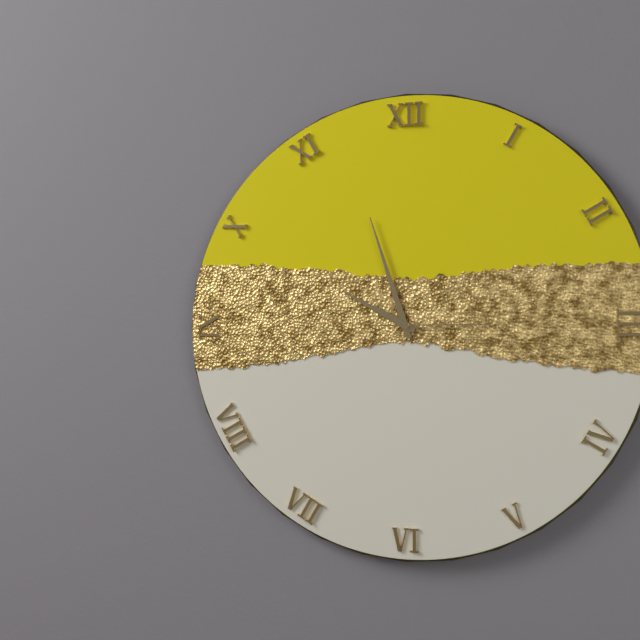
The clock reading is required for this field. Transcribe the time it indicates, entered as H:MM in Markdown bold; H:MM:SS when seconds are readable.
**9:57:15**
